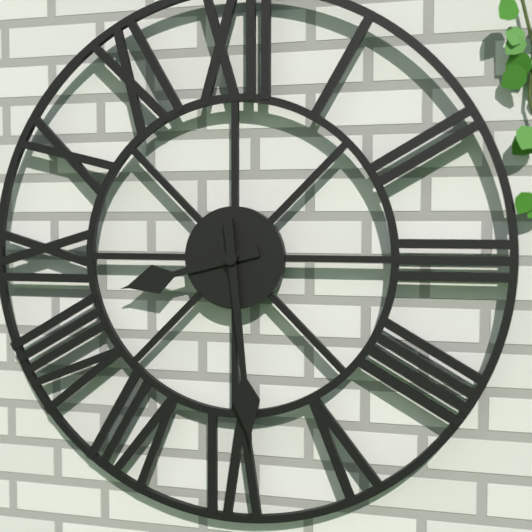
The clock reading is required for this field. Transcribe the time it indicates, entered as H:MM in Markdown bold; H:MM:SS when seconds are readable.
**8:29**
